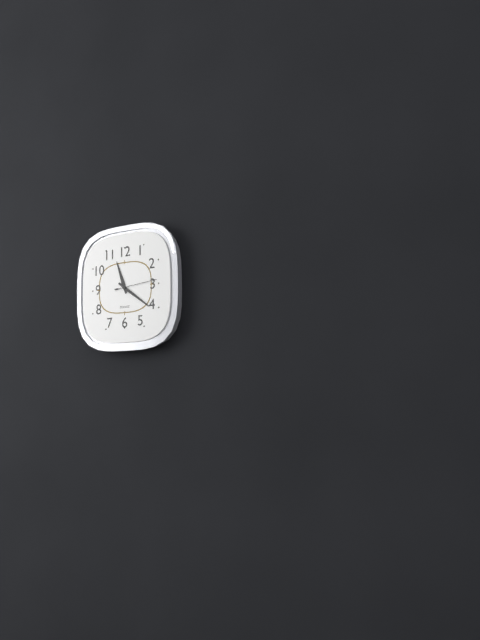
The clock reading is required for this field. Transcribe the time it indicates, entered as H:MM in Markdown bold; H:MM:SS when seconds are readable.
**11:21**
